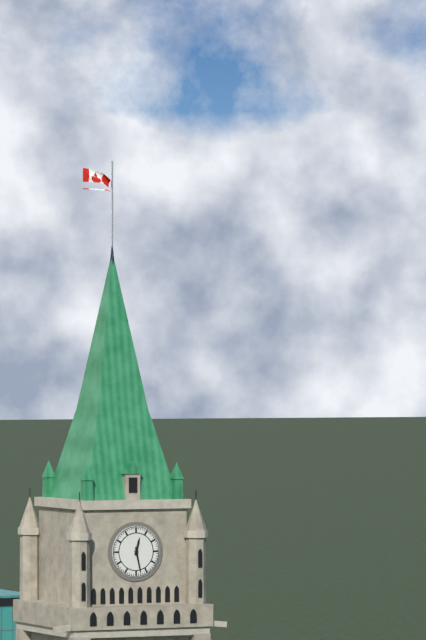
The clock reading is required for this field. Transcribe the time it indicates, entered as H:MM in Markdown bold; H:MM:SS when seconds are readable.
**12:28**
